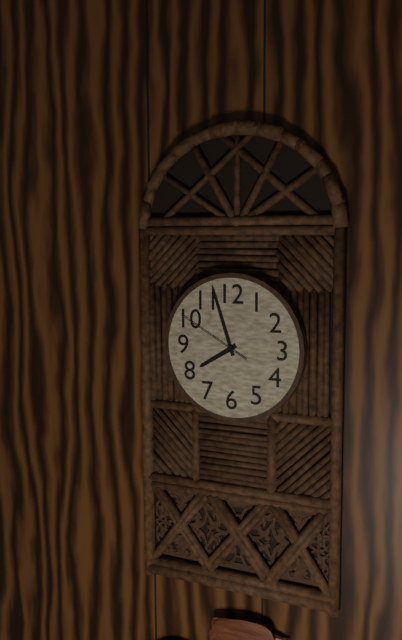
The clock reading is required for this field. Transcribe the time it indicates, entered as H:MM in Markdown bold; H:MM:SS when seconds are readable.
**7:57:50**
